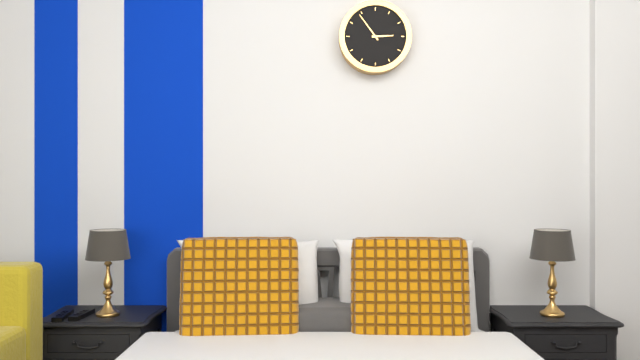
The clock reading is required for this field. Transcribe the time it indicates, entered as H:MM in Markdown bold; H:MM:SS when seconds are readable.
**2:54**
